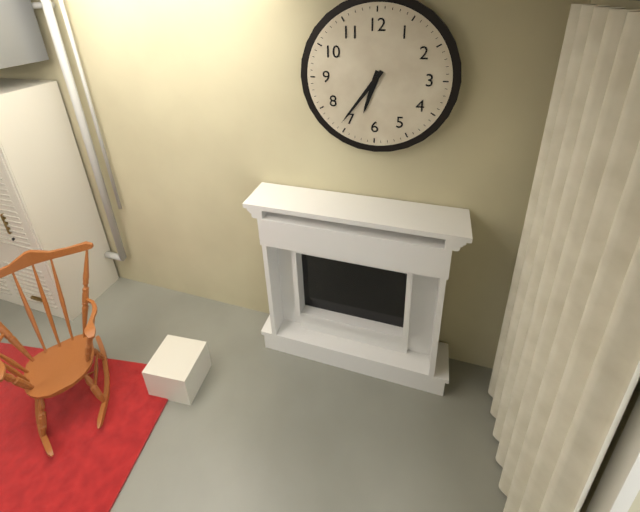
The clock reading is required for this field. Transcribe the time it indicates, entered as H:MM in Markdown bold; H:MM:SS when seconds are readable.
**6:36**
